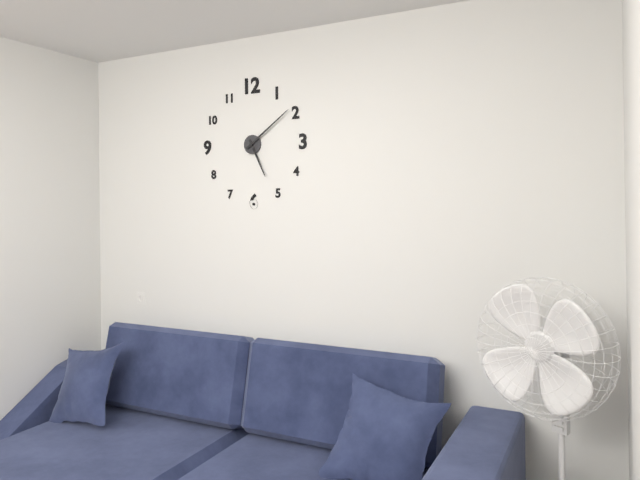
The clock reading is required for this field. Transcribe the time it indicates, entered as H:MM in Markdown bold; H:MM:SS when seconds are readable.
**5:09**
